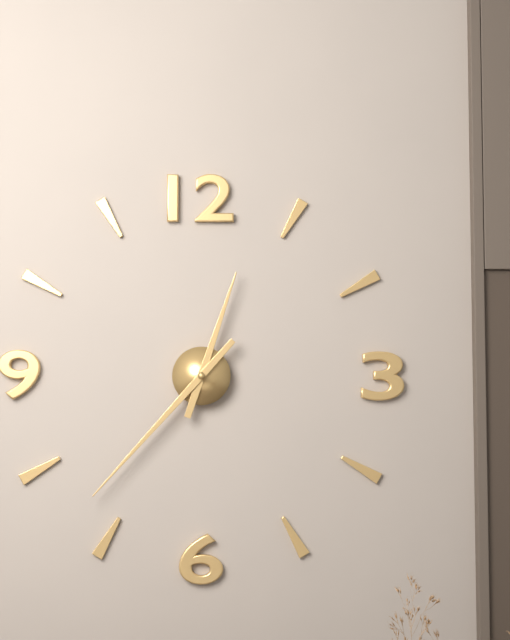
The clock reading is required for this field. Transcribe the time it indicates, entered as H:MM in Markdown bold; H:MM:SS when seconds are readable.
**12:37**
